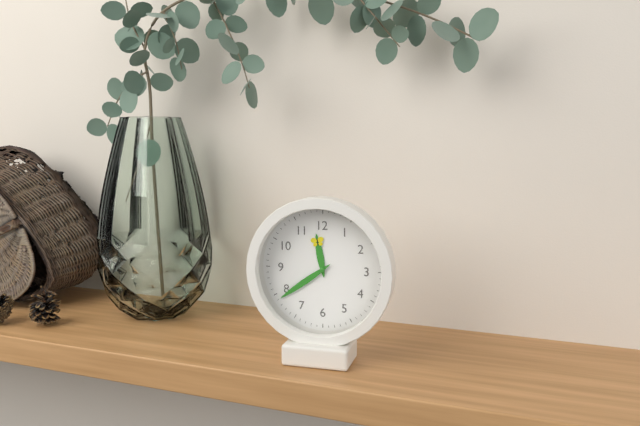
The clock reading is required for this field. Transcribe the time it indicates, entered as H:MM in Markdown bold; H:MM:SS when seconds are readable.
**11:39**
